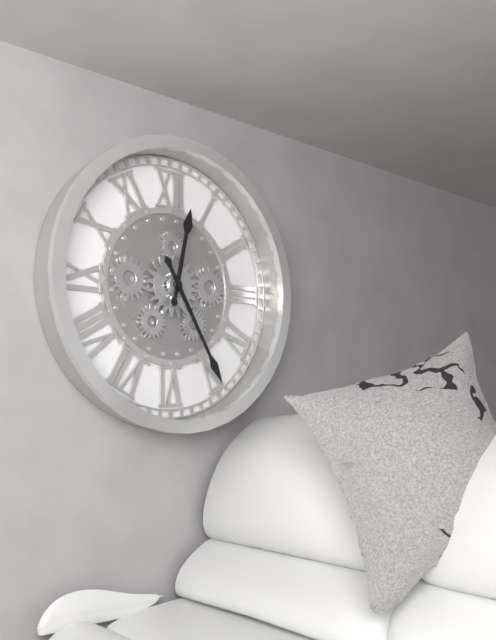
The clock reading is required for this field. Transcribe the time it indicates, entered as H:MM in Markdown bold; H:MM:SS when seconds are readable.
**12:25**
